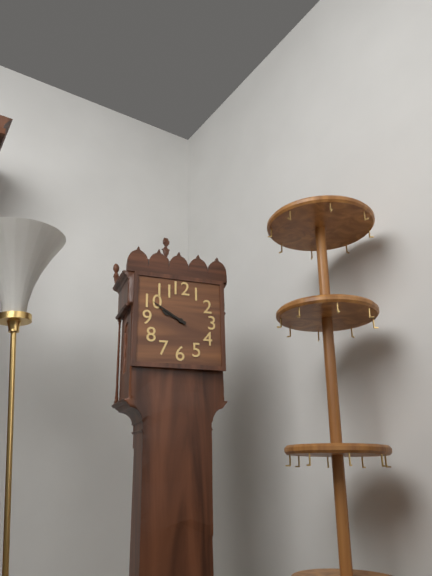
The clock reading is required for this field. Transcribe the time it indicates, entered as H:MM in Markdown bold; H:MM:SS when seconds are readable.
**9:50**
